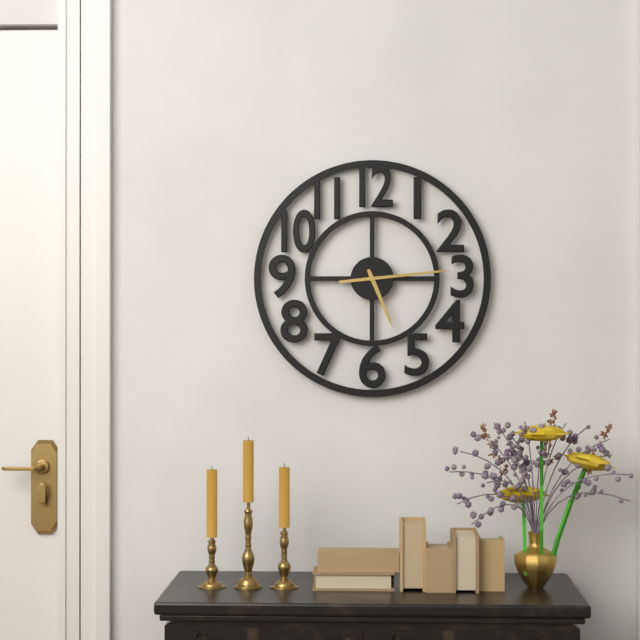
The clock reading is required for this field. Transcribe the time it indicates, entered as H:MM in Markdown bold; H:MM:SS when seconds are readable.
**5:14**
